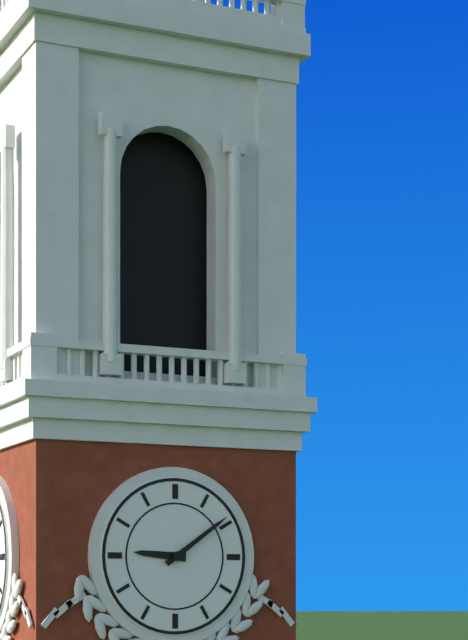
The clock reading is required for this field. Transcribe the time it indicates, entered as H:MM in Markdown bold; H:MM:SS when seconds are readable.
**9:09**
